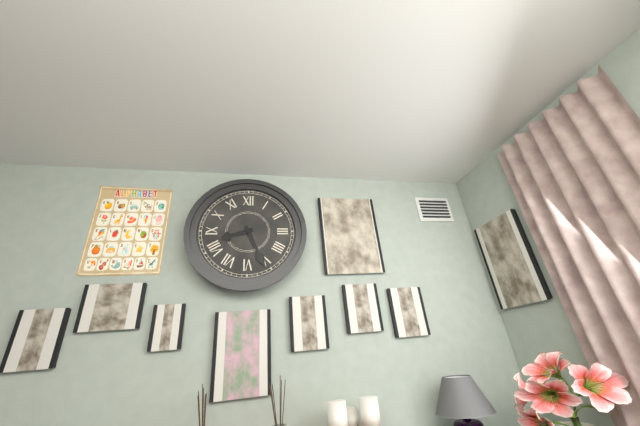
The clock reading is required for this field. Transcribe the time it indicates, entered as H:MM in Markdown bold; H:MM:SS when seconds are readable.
**8:26**
